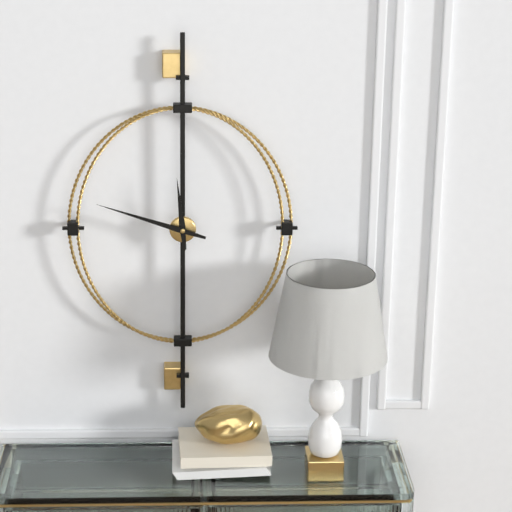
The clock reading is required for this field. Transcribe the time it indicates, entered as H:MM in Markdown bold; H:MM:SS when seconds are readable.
**11:48**
